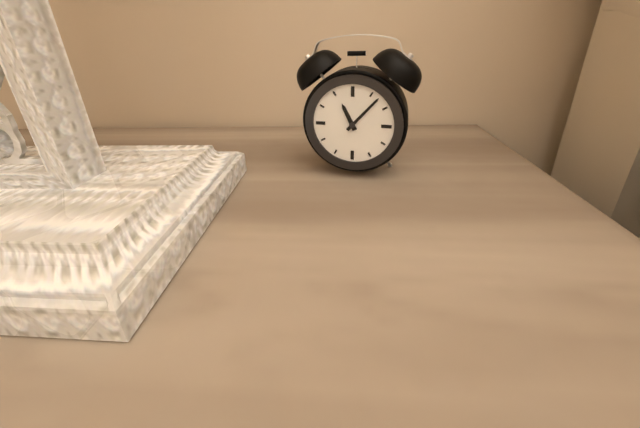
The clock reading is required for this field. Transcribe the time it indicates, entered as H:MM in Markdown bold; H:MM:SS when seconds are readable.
**11:07**
